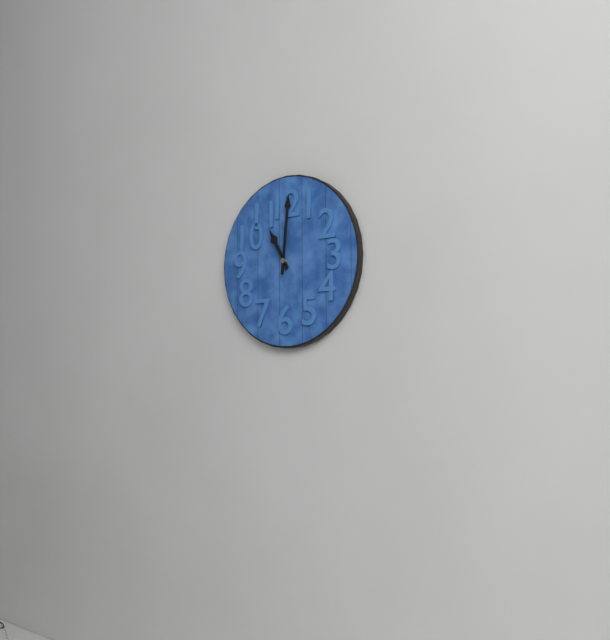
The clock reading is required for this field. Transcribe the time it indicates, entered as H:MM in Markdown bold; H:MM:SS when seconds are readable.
**11:01**
